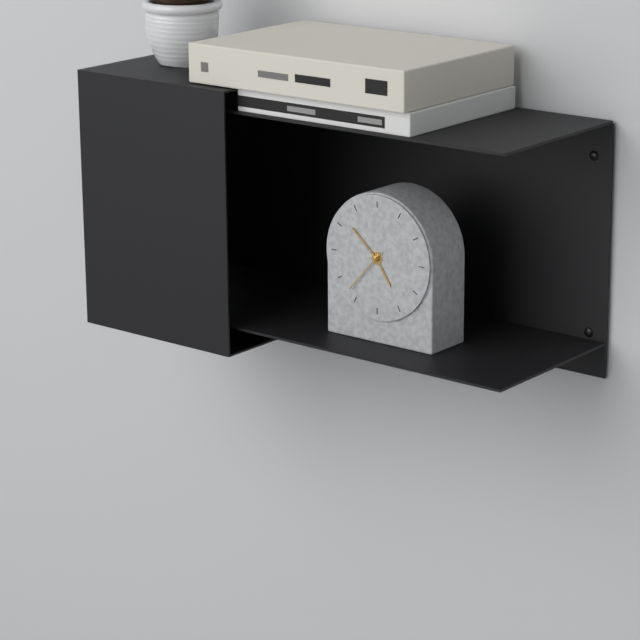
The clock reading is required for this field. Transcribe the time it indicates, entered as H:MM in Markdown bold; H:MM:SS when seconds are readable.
**4:52:37**
